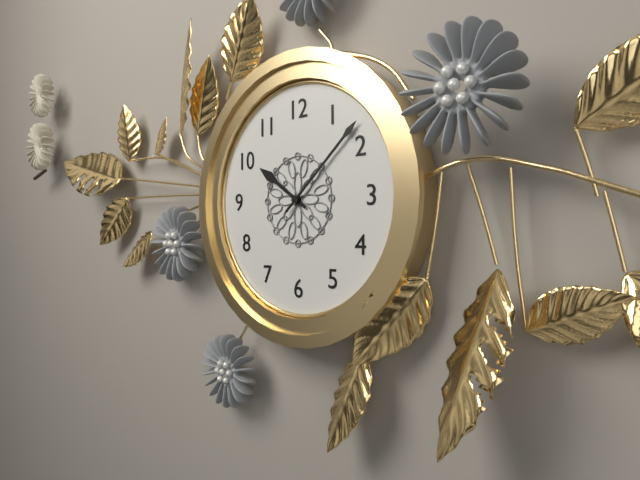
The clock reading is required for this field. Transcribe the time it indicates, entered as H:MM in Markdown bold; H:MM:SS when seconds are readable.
**10:08**
